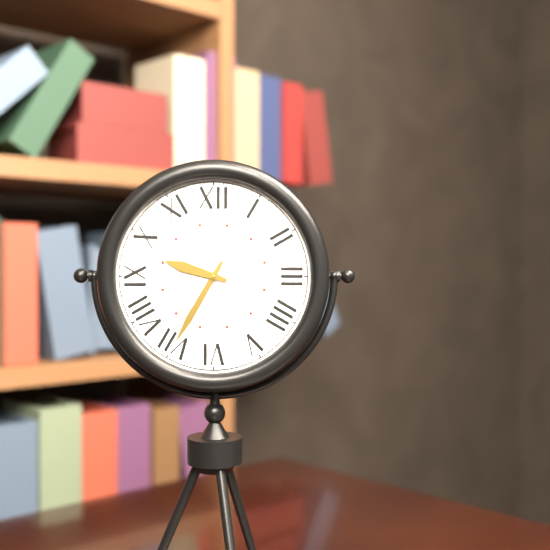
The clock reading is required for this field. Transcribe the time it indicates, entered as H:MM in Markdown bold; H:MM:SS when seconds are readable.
**9:35**
